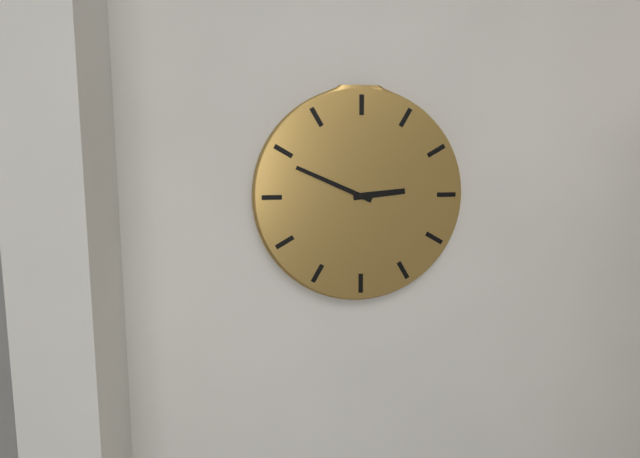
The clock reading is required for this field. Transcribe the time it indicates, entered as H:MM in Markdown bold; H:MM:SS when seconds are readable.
**2:49**
